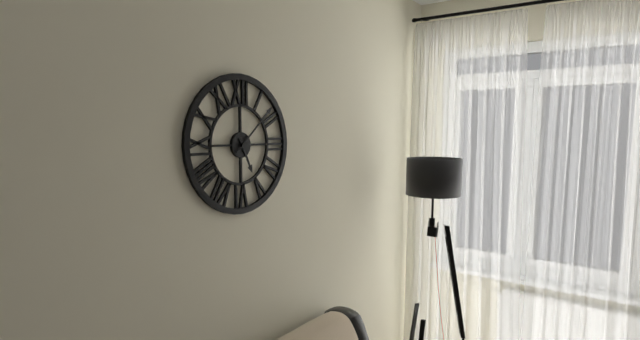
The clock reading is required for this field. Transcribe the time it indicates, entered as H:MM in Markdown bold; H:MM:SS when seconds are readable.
**5:08**
